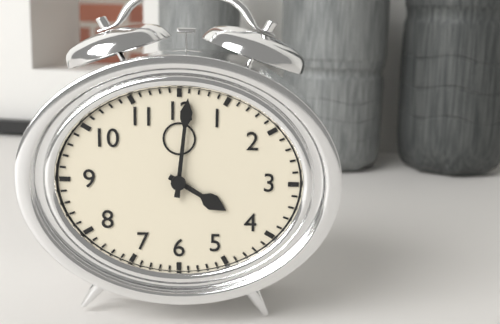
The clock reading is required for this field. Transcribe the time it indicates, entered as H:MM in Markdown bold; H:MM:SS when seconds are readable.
**4:01**
